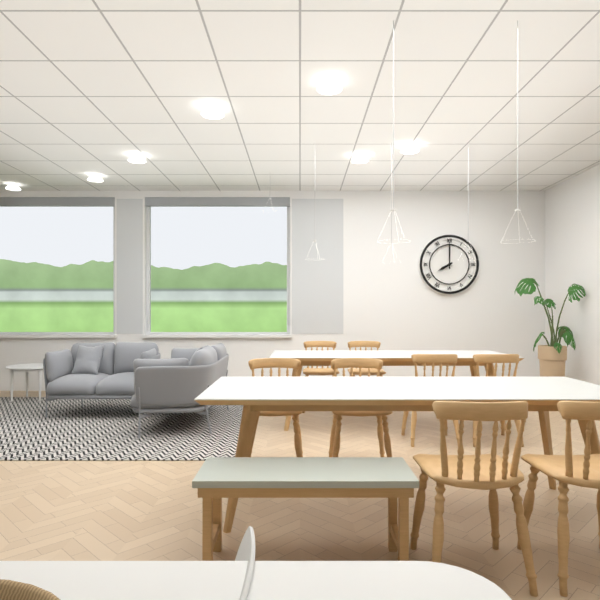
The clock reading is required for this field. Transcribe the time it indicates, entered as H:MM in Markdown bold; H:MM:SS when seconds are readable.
**8:00**
